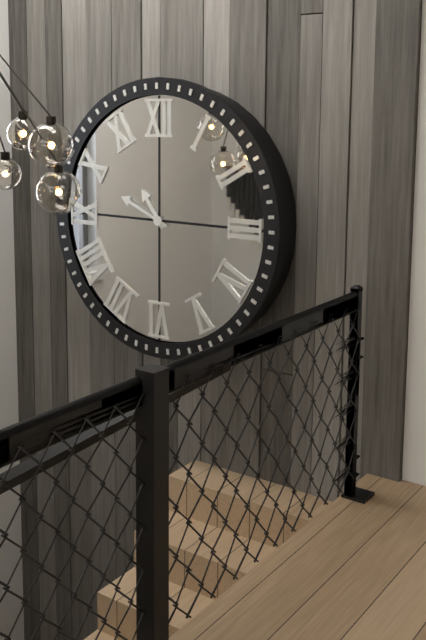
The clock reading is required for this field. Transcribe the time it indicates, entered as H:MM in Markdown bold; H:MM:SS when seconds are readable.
**10:49**
